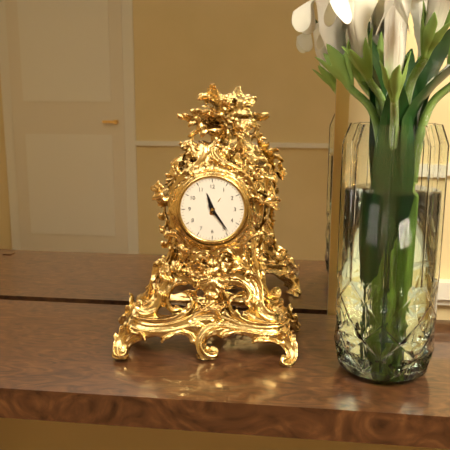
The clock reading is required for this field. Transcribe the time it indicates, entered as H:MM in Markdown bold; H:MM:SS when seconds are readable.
**11:24**
